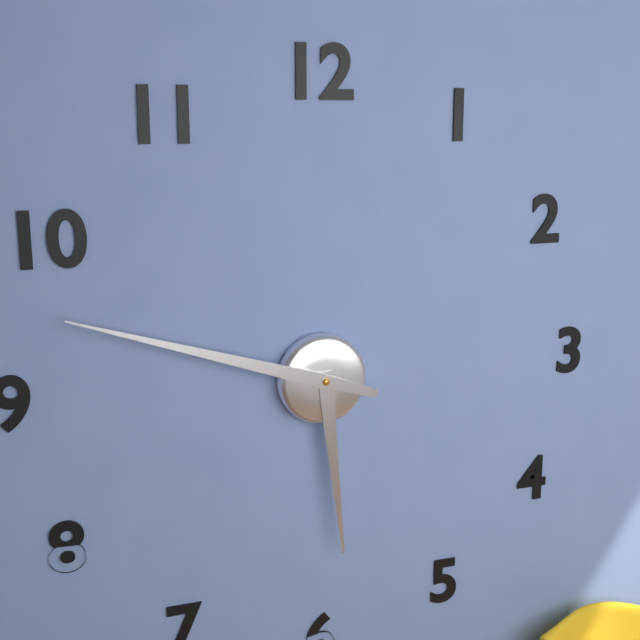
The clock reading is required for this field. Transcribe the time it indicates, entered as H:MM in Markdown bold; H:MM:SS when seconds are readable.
**5:48**
